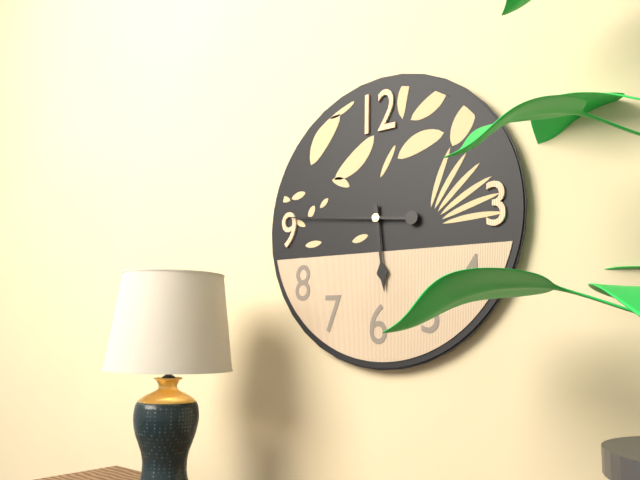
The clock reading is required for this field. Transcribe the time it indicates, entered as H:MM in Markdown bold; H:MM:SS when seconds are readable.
**5:46**
